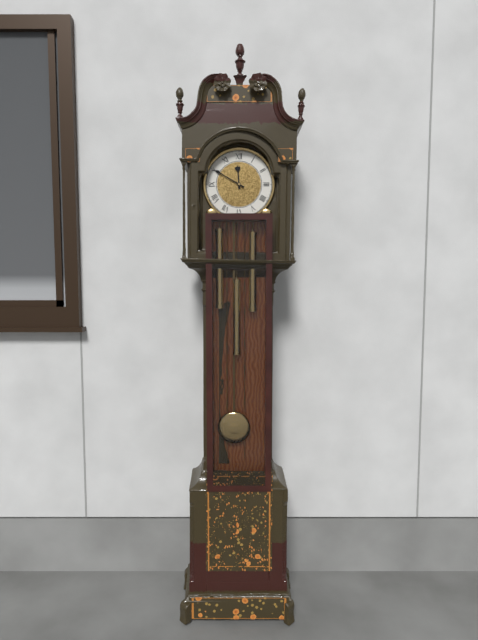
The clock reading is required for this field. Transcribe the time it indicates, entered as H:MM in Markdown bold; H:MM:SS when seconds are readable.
**11:50**
